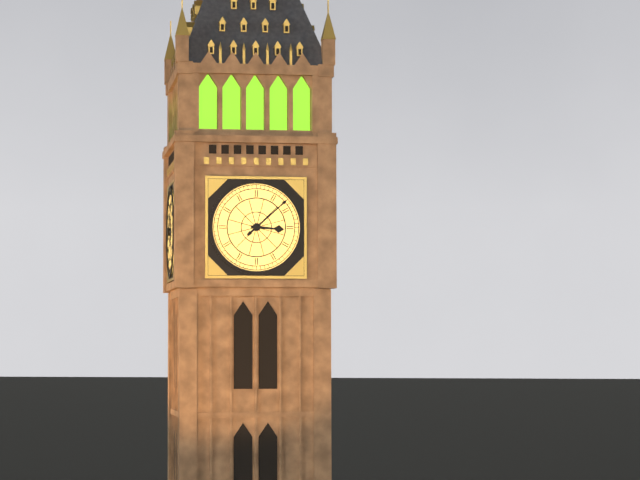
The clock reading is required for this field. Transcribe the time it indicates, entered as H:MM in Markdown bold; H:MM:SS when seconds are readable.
**3:08**
